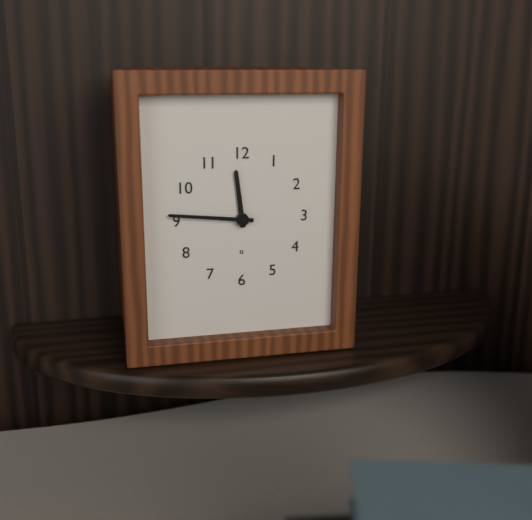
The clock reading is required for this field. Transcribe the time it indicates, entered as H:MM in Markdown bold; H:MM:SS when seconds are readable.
**11:46**
